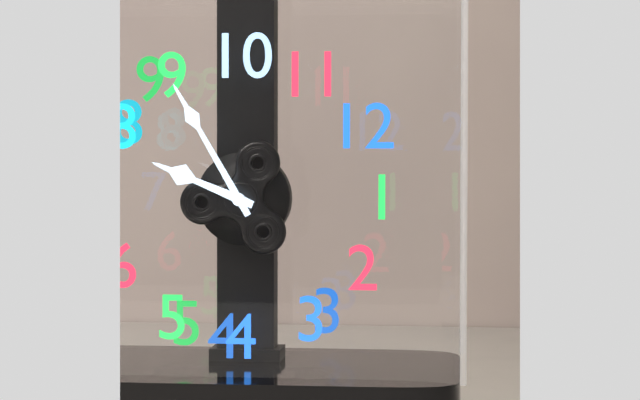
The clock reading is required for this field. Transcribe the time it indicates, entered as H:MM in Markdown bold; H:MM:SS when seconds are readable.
**7:45**
